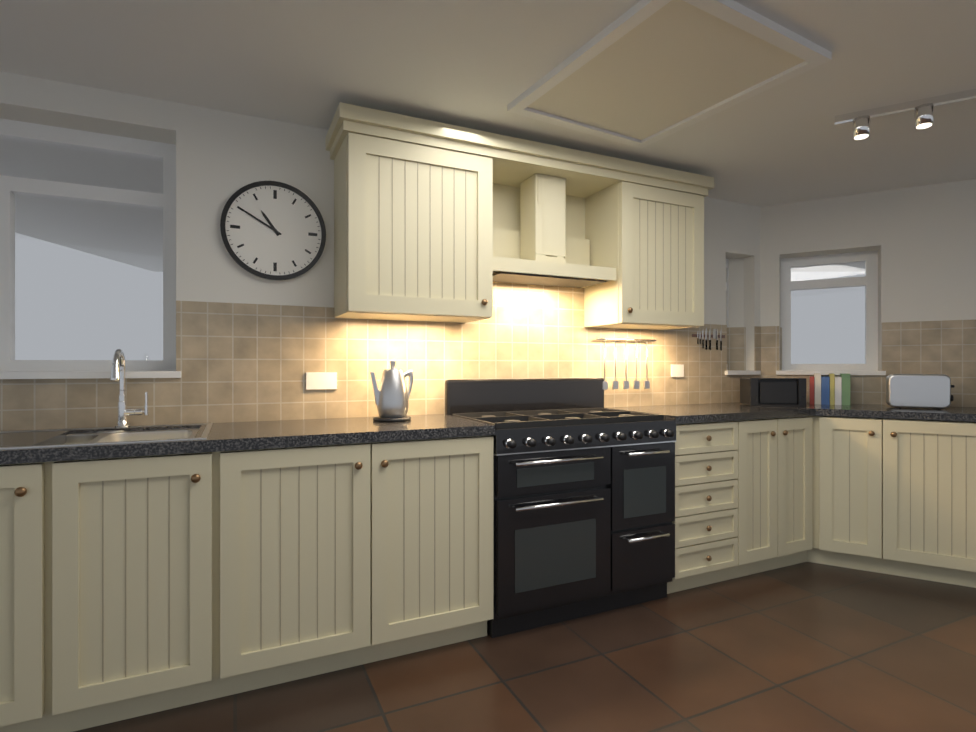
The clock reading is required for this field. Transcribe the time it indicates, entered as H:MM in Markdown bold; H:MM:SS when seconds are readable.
**10:50**
